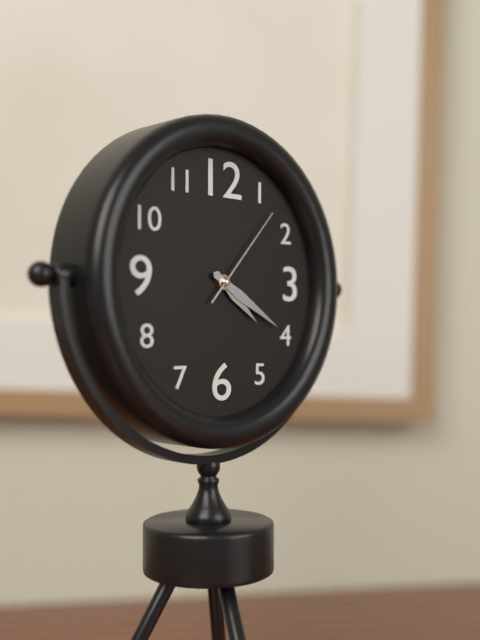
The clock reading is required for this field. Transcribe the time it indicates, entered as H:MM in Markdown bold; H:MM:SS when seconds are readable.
**4:20:07**
